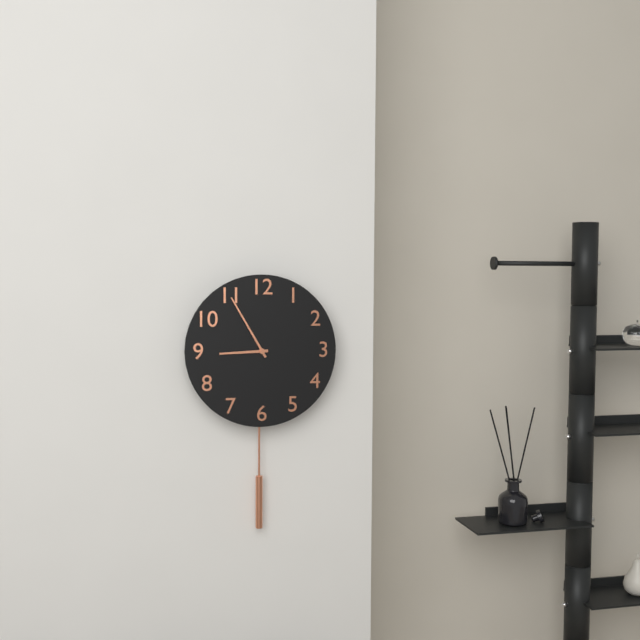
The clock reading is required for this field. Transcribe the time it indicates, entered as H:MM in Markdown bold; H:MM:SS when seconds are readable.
**8:55**
